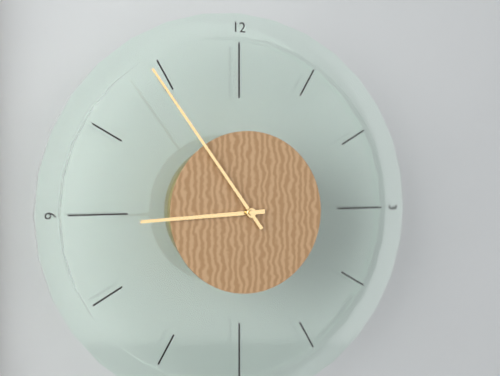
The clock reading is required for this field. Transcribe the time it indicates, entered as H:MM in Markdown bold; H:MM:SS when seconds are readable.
**8:54**
